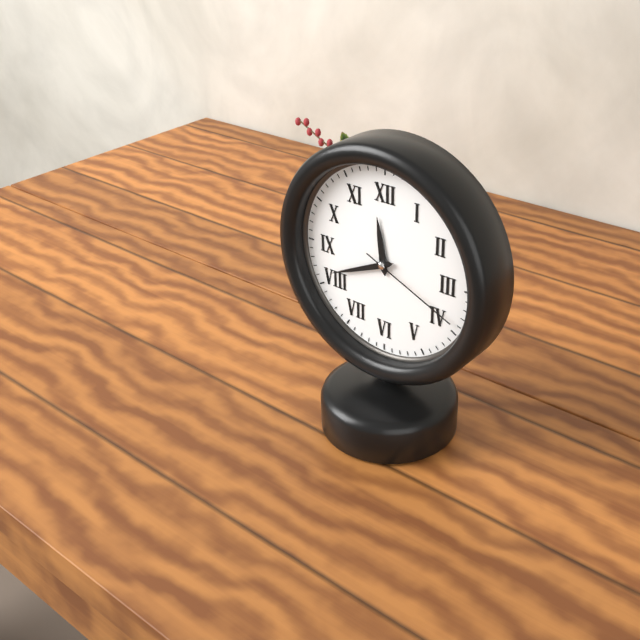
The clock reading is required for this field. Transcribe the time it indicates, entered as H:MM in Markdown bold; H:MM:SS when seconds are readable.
**11:41:19**
